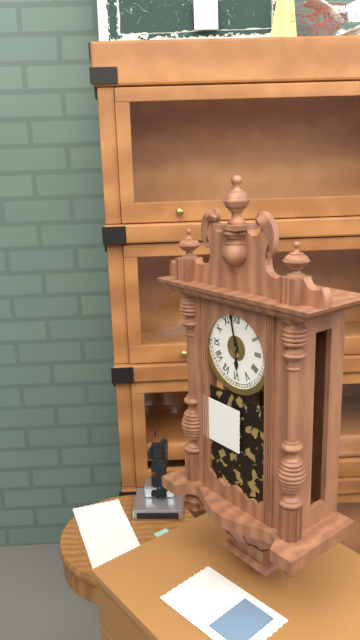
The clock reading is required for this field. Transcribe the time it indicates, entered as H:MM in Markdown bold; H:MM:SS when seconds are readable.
**5:58**
